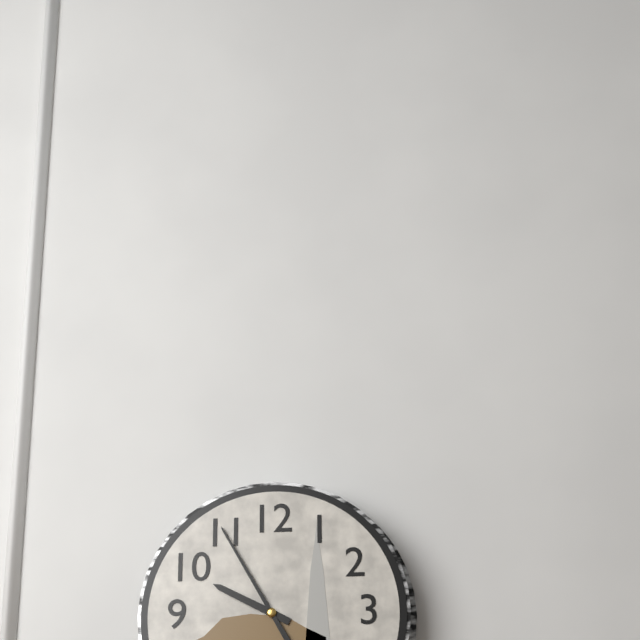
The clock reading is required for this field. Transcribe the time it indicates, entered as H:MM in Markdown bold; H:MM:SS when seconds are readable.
**9:55**
